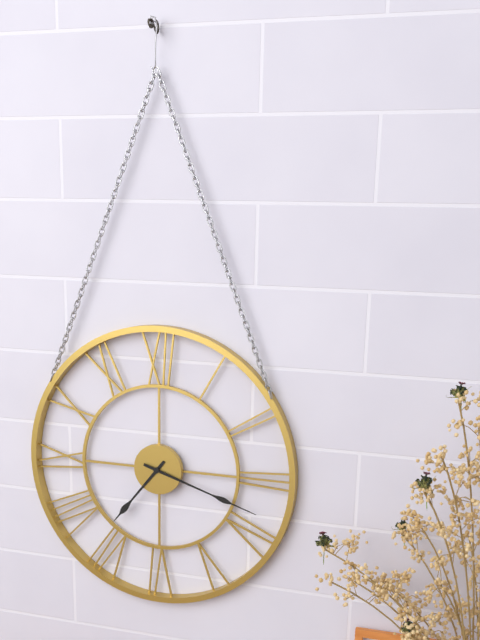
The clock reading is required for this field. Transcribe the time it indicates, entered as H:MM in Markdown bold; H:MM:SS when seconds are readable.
**7:18**
